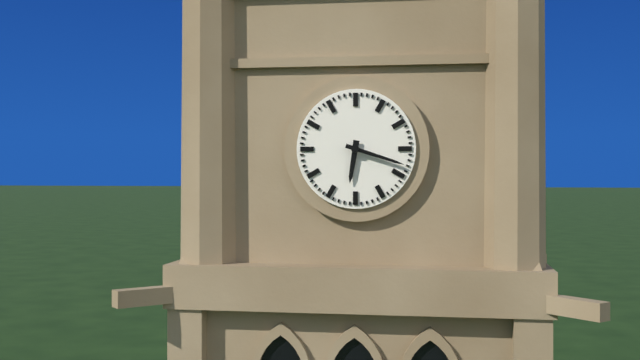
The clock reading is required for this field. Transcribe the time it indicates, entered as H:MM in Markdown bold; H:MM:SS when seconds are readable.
**6:18**
